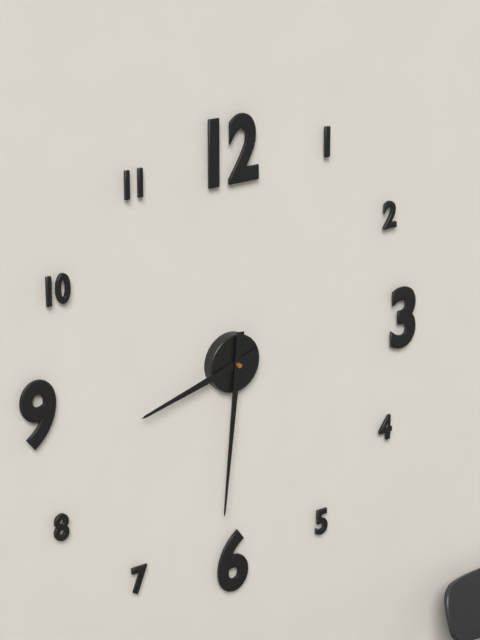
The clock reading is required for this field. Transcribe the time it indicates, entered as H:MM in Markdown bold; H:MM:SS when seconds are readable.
**8:31**
